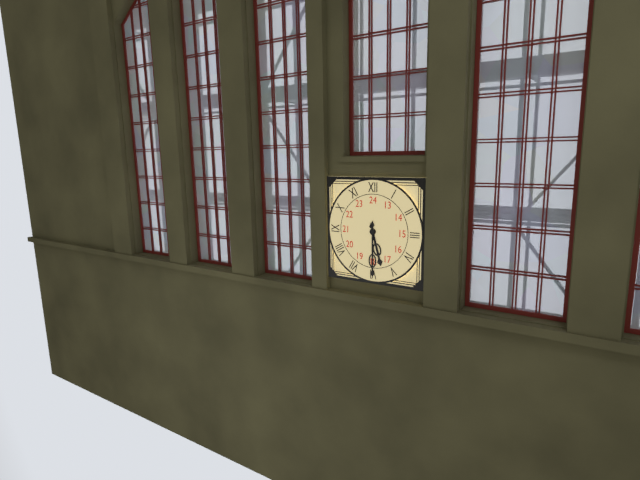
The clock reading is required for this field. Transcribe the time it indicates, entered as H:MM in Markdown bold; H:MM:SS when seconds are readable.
**5:30**
